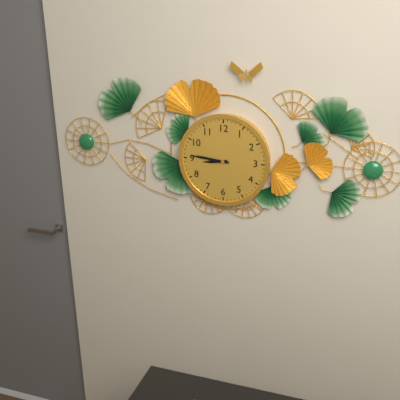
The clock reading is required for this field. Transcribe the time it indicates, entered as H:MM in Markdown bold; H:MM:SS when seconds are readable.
**8:46**
